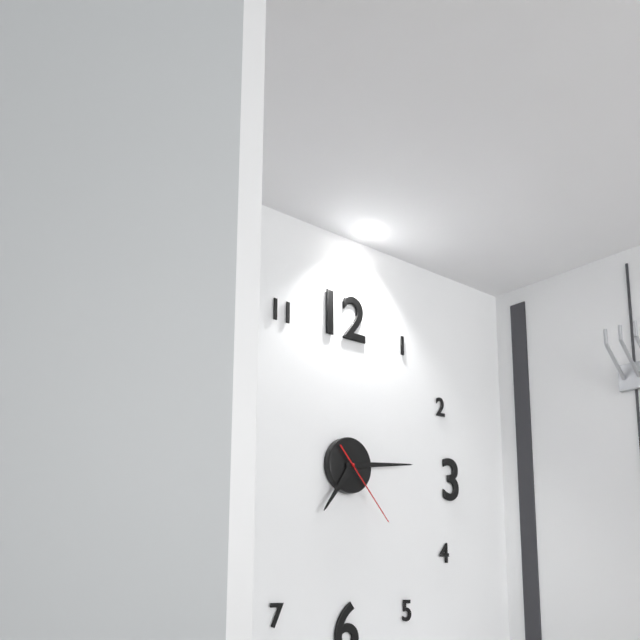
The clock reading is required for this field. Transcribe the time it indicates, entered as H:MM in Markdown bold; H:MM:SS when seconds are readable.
**7:14:23**
